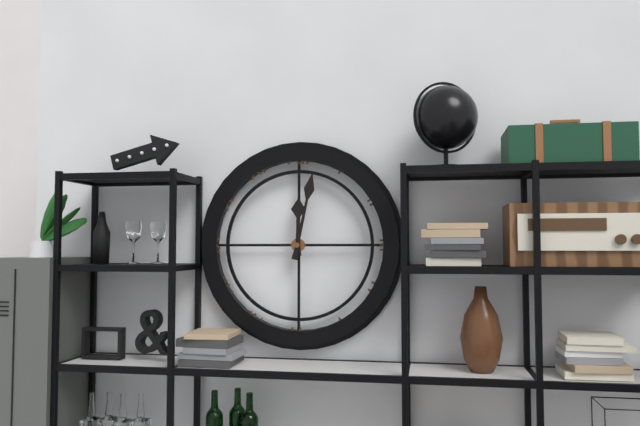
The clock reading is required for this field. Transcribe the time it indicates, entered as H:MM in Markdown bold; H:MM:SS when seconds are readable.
**12:02**
